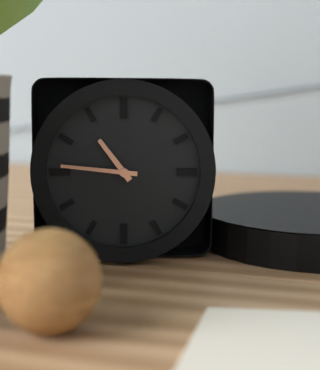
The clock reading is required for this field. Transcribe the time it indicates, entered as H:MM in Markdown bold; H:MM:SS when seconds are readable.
**10:46**
